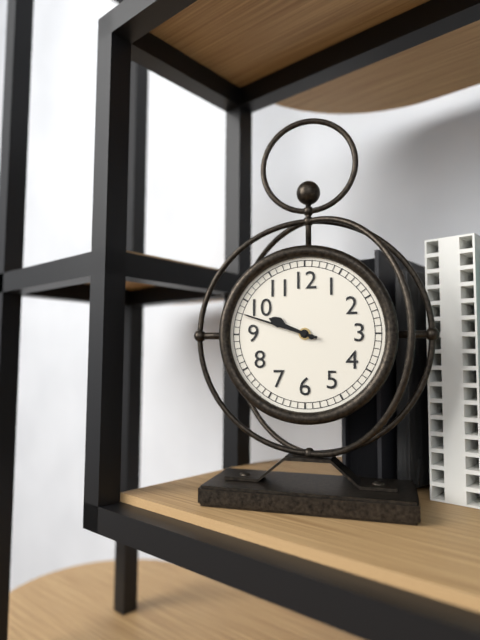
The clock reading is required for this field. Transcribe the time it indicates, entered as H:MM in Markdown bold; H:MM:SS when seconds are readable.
**9:48**
